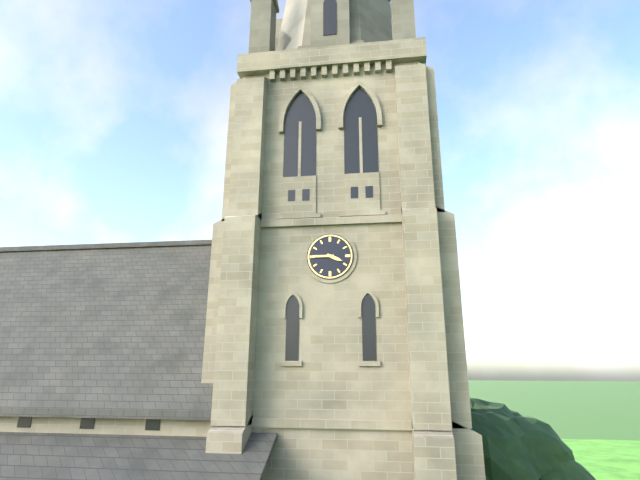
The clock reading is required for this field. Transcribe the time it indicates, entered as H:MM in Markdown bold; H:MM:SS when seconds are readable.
**3:45**
